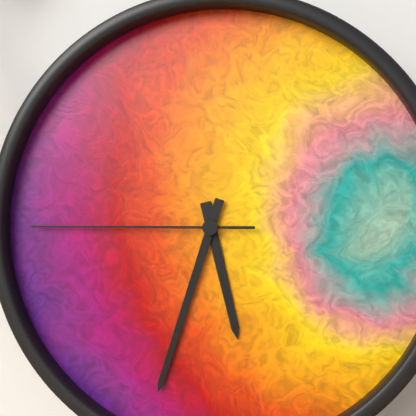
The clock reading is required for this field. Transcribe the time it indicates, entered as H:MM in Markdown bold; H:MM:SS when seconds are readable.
**5:33:45**
